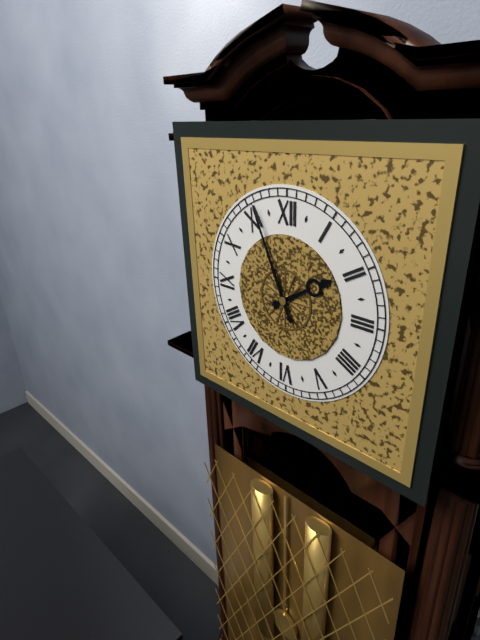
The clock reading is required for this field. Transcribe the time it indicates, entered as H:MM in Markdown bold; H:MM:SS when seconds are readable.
**1:56**
